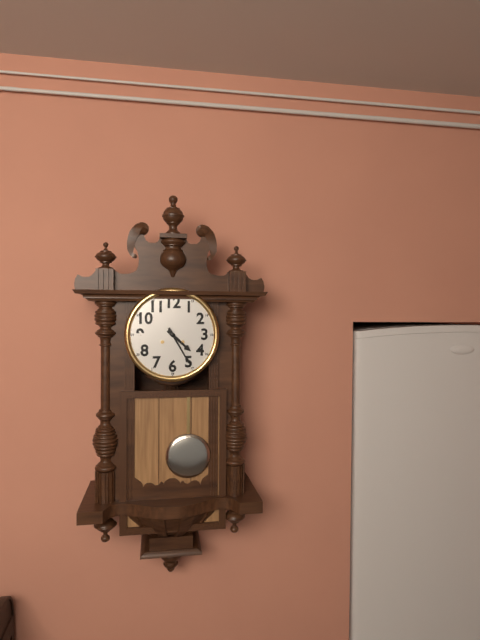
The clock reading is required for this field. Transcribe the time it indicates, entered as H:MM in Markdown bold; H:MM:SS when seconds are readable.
**4:25**
